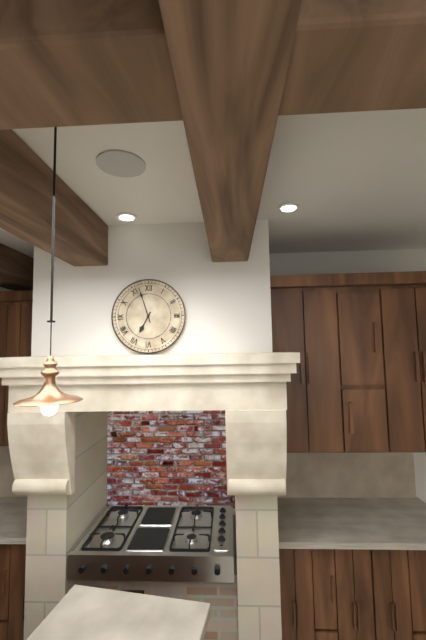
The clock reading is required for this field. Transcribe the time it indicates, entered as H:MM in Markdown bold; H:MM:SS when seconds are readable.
**6:57**
